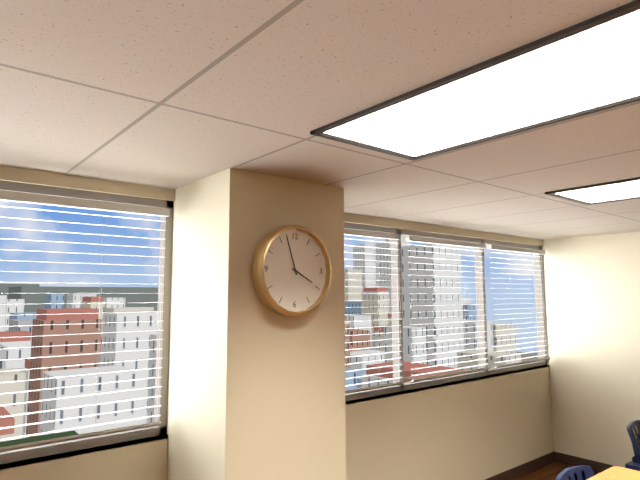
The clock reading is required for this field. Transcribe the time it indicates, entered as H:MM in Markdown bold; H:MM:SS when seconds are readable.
**3:57**
